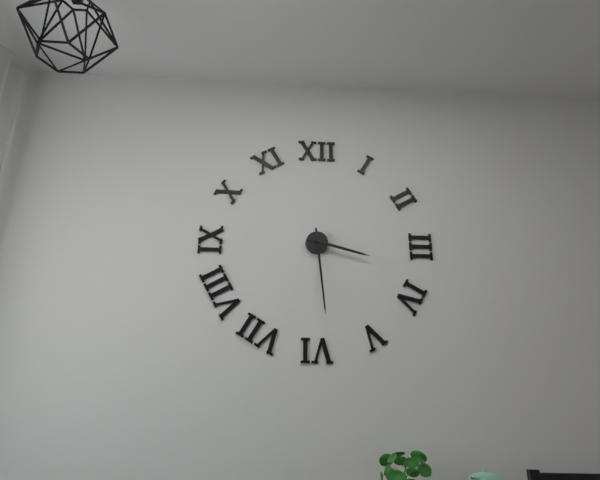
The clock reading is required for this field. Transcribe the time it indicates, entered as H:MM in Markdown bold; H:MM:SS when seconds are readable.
**3:29**
